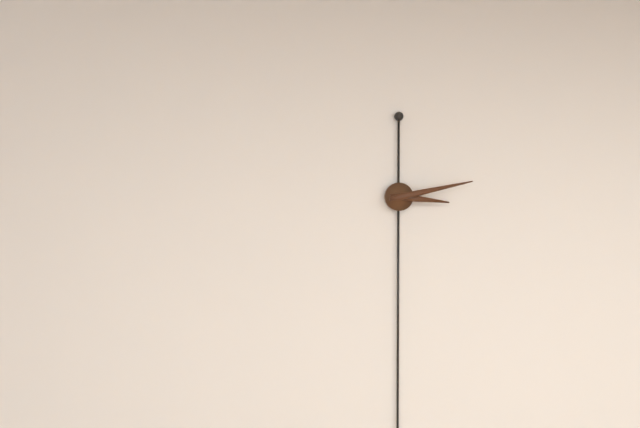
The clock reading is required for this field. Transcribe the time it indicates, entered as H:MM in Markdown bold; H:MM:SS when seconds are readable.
**3:13**
